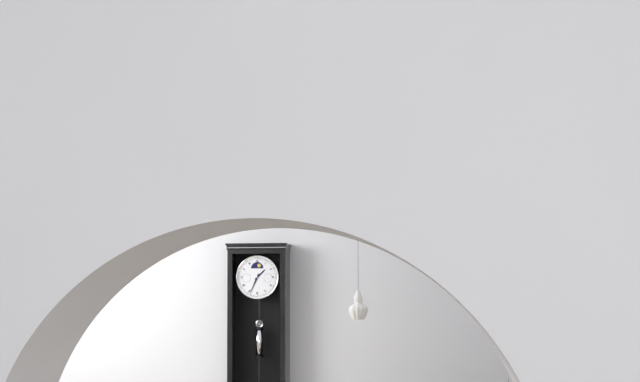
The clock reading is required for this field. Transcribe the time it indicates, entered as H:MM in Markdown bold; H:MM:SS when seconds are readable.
**1:34**
